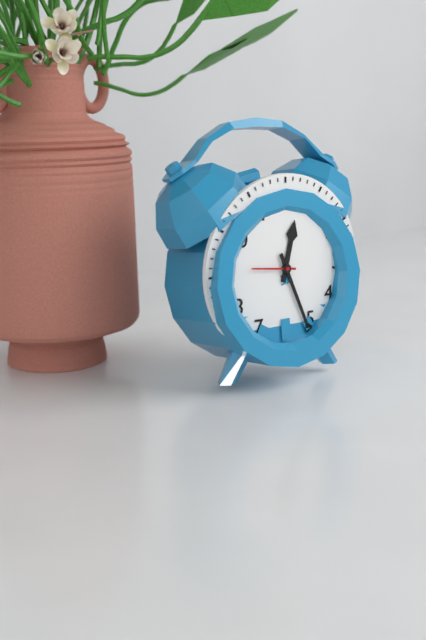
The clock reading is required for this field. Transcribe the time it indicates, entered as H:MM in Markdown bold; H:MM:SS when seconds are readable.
**12:26**
